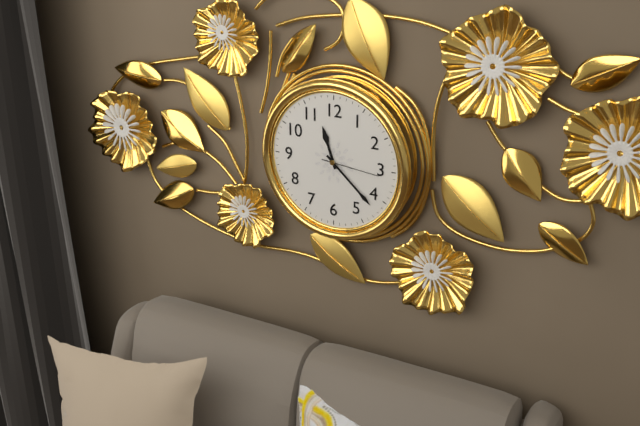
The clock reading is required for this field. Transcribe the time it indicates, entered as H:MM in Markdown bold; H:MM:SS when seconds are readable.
**11:22:16**
